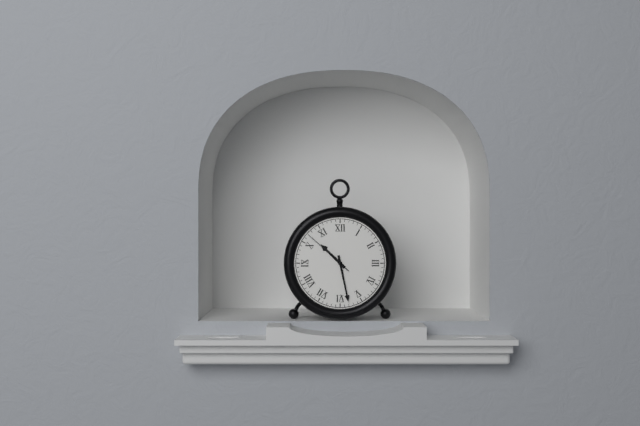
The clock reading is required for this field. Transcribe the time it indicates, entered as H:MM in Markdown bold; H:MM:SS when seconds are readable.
**10:28:52**
